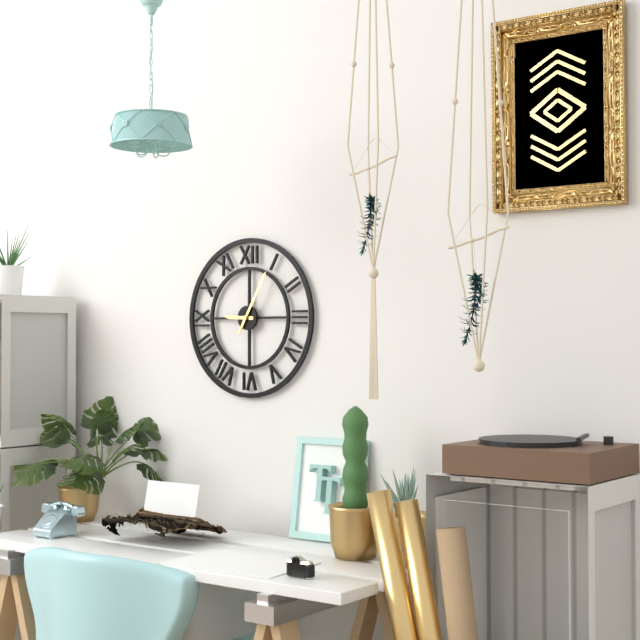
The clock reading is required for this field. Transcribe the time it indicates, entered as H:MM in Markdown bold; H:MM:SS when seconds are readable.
**9:05**
